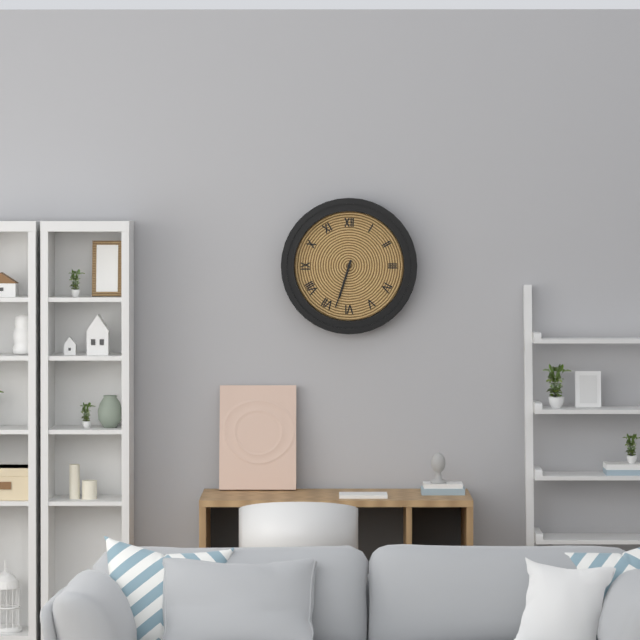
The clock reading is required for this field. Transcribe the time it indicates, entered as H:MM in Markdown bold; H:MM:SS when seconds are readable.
**6:33**
